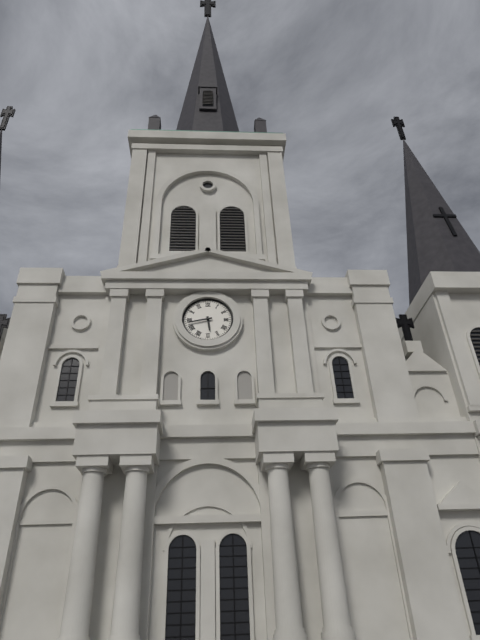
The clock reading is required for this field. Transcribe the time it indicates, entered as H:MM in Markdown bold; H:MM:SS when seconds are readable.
**5:43**
